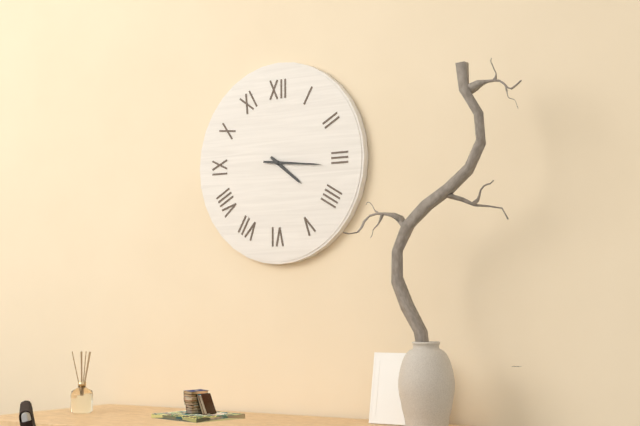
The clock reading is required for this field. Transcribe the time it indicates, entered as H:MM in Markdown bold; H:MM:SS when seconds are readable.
**4:16**
